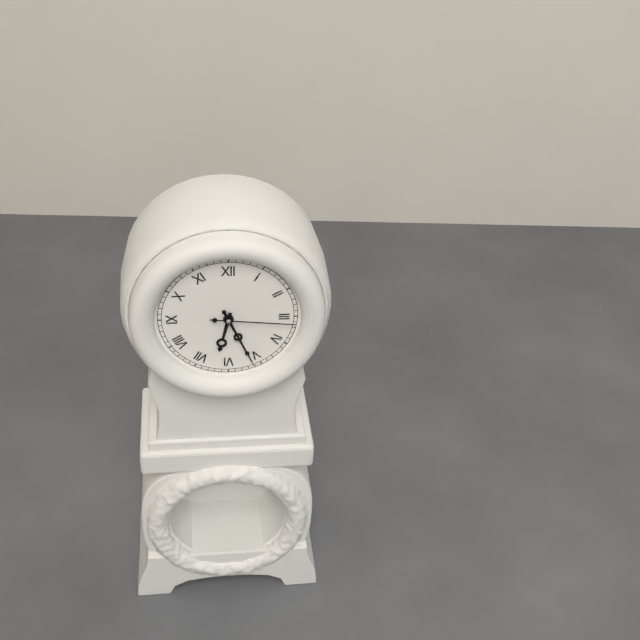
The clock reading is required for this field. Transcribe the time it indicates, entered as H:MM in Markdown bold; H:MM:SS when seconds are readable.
**6:26:16**
